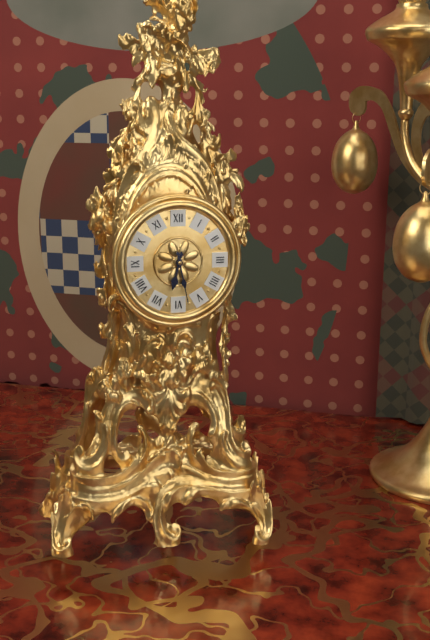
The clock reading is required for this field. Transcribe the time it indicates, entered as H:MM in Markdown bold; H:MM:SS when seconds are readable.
**6:28**
